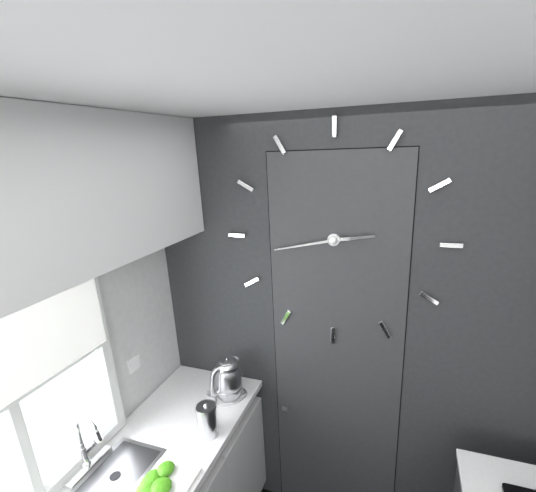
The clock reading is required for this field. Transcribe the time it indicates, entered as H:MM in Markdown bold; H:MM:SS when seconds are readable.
**2:43**
